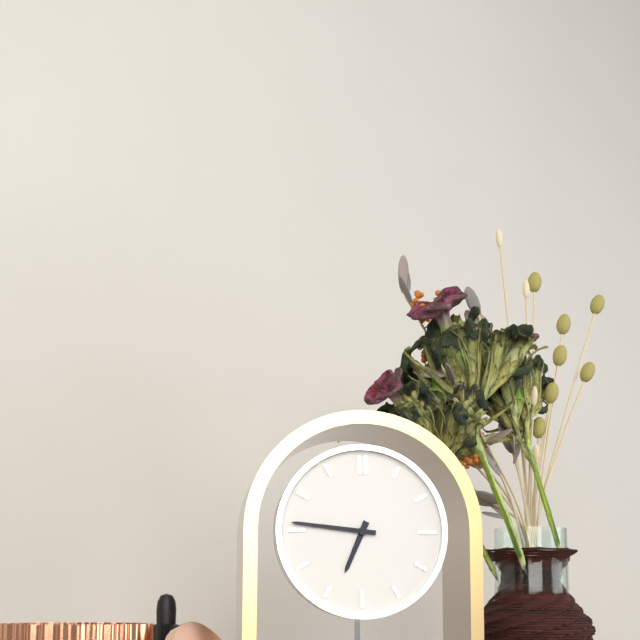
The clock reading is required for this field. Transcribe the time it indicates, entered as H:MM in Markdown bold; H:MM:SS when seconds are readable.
**6:46**
